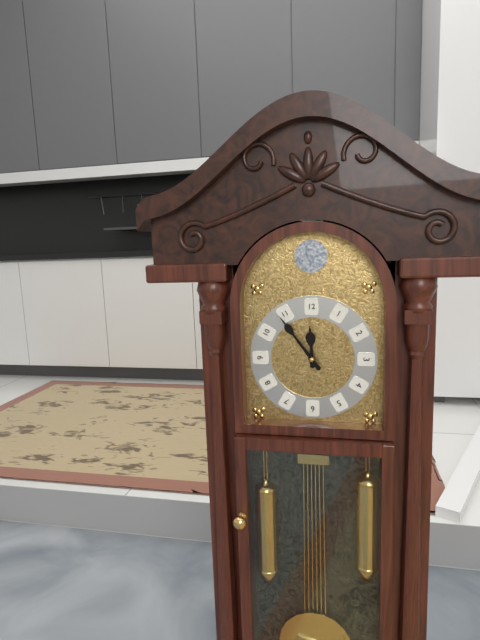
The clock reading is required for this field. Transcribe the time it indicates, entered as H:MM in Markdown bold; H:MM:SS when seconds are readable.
**11:54**
